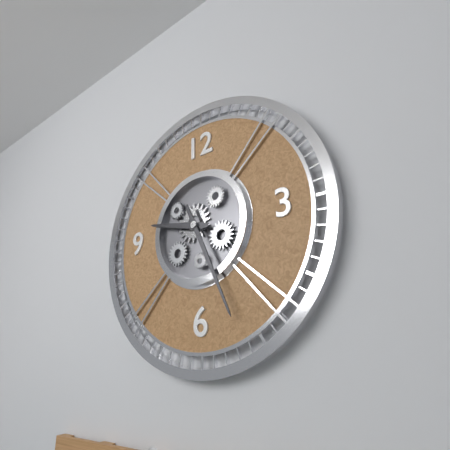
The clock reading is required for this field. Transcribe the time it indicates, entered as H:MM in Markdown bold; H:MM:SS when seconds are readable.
**9:26**
